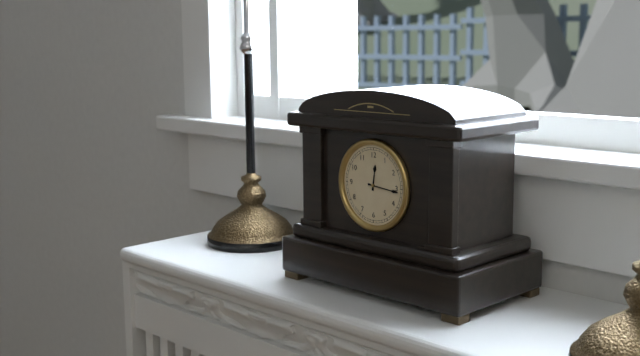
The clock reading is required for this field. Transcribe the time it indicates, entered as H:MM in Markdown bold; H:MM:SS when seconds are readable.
**12:16**
